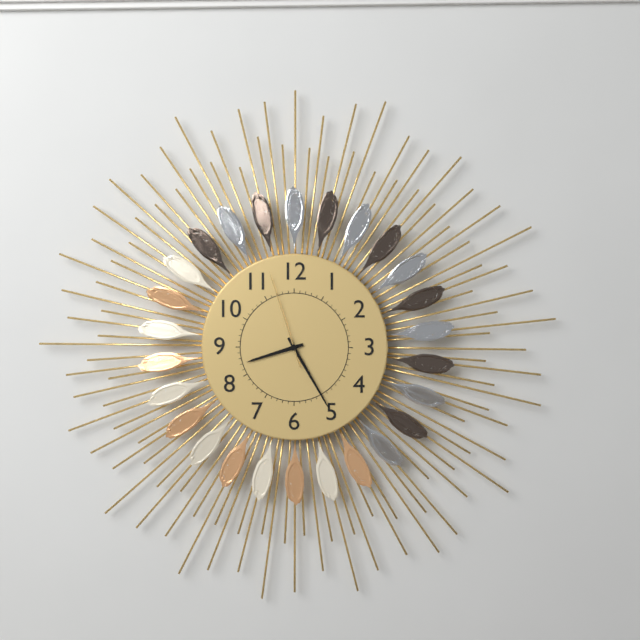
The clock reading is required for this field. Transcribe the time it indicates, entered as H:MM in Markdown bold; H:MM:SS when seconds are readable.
**8:25:57**
